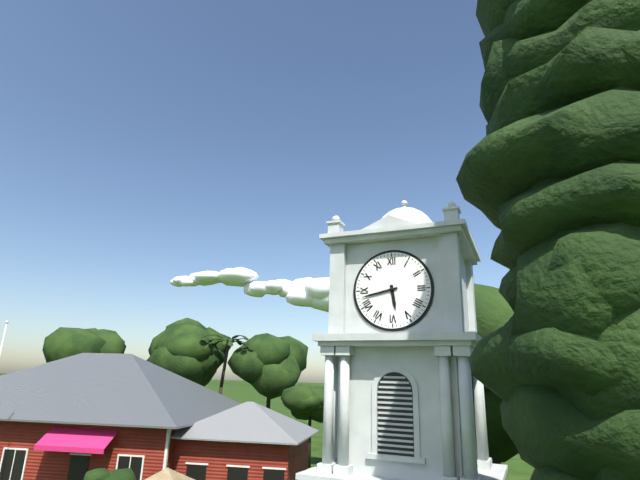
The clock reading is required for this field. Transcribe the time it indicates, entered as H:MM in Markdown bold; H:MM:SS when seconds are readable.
**5:43**
